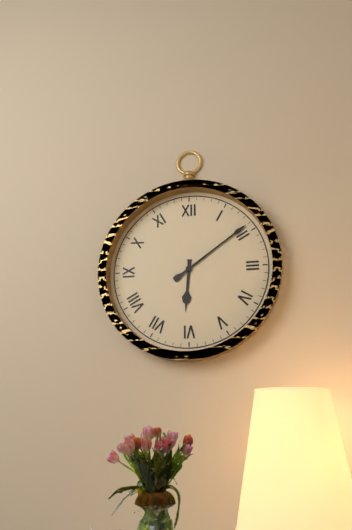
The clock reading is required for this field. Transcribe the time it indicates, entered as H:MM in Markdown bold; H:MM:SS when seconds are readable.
**6:09**
